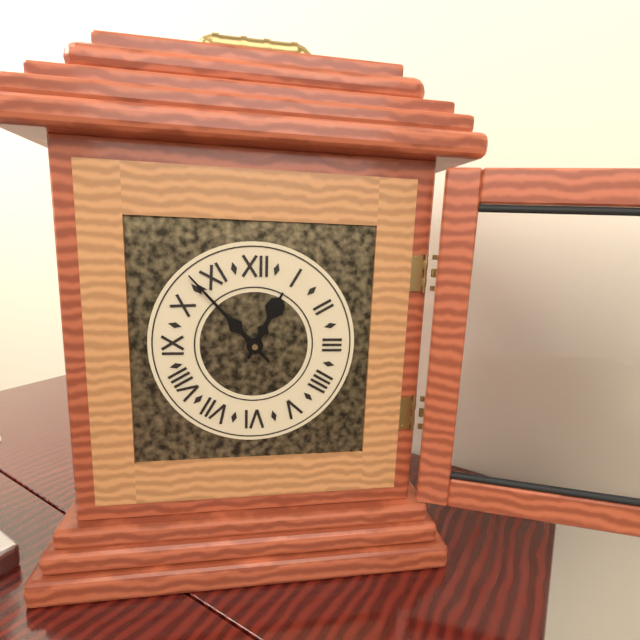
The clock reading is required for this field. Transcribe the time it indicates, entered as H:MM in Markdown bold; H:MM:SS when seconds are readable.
**12:53**
